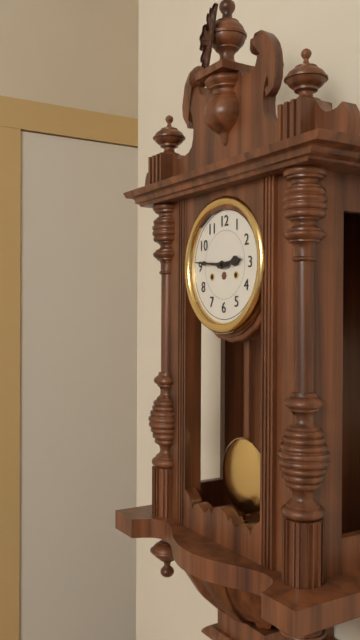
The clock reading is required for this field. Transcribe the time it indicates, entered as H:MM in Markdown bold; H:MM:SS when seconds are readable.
**2:46**
